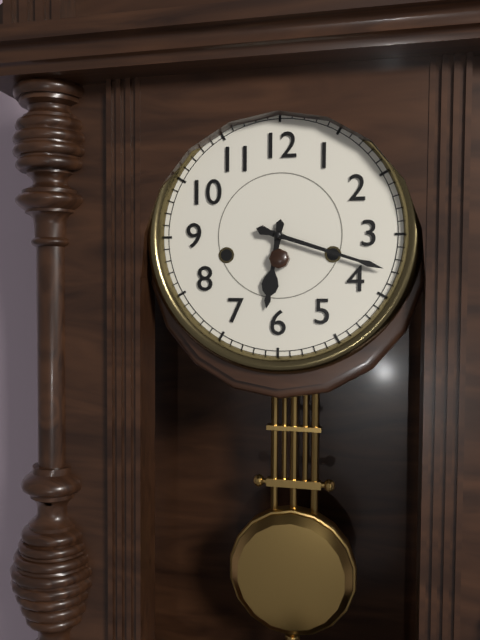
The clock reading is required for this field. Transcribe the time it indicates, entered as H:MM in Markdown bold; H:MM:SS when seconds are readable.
**6:18**
